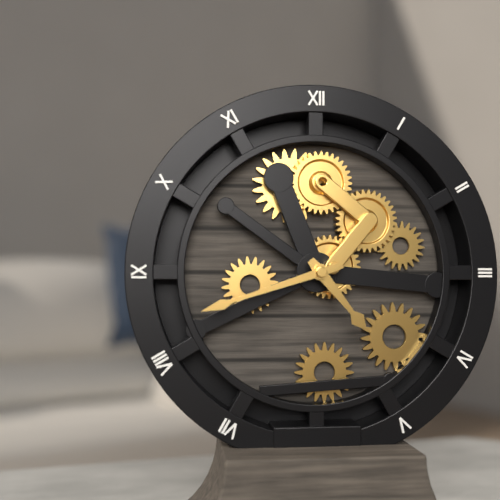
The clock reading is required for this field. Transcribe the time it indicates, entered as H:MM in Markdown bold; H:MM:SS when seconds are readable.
**4:42**
